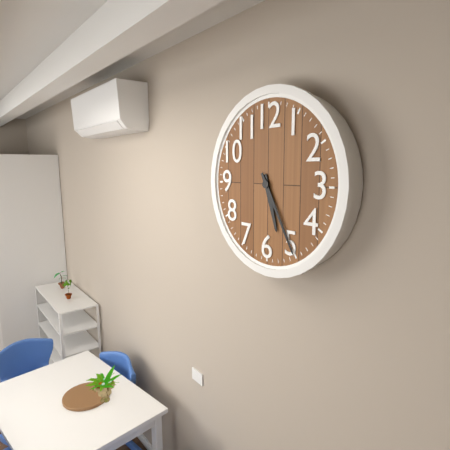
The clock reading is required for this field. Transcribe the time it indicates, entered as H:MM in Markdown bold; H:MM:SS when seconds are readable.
**5:25**
